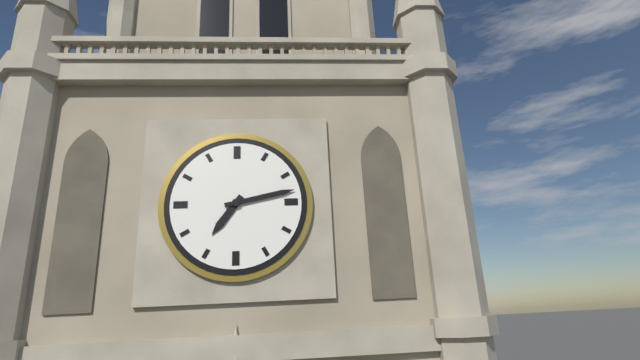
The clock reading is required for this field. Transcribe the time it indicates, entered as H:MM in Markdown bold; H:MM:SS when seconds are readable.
**7:13**
